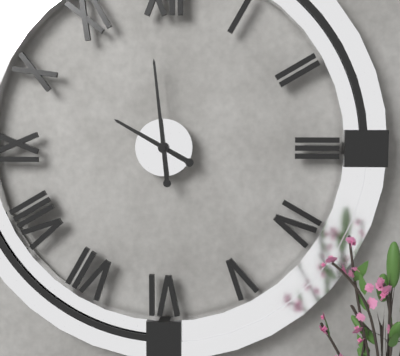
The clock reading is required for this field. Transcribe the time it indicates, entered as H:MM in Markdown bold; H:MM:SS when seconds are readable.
**9:59**
